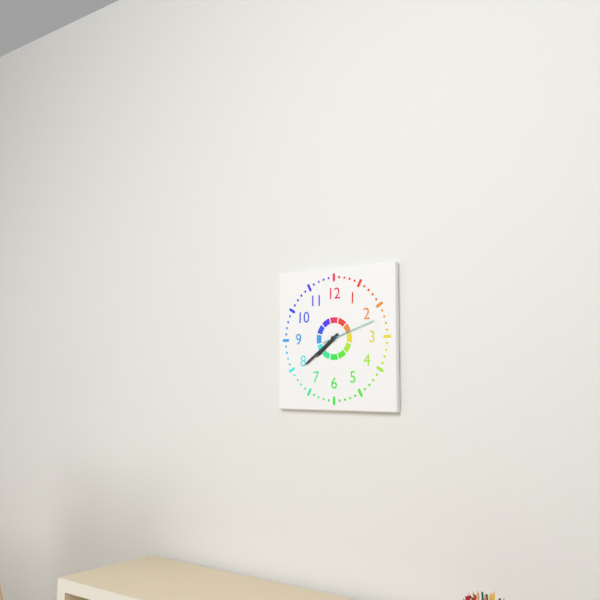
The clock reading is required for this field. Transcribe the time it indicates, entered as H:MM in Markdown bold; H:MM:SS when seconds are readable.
**7:39:12**
